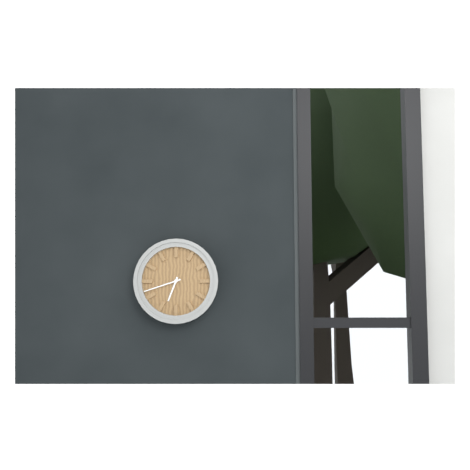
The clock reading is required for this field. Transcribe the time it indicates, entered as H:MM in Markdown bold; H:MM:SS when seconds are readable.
**6:42**
